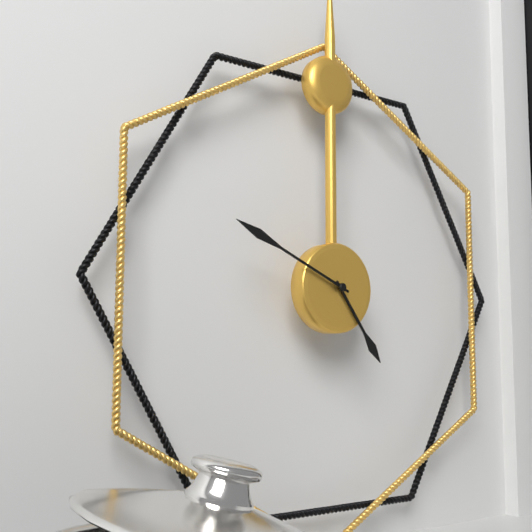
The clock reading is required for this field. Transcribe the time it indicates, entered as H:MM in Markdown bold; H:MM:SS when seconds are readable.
**4:49**
